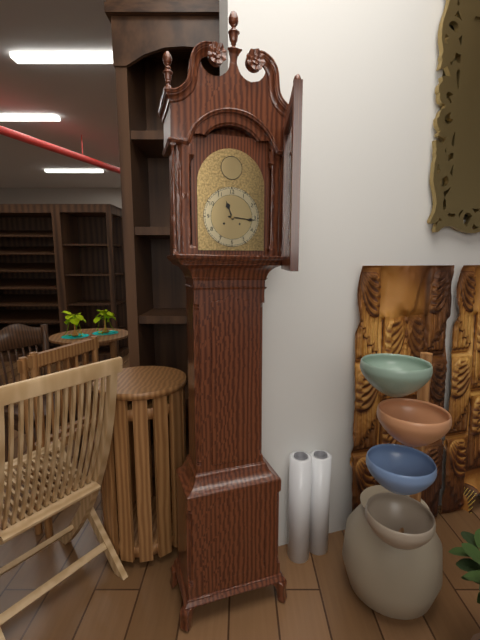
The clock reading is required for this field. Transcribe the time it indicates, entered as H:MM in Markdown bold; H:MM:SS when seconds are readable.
**11:16**
